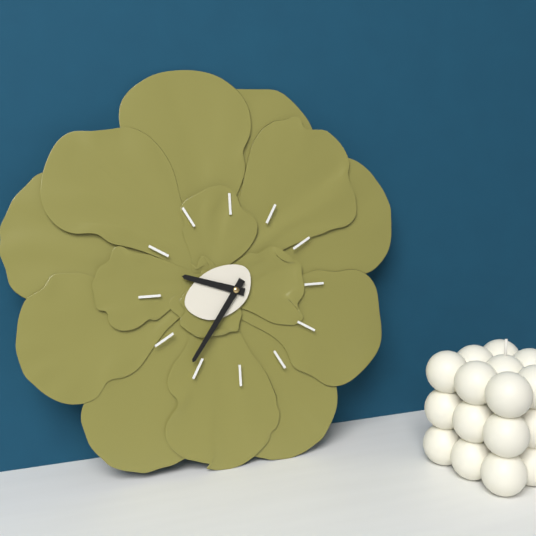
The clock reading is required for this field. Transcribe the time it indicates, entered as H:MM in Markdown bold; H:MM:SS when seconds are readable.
**9:36**
